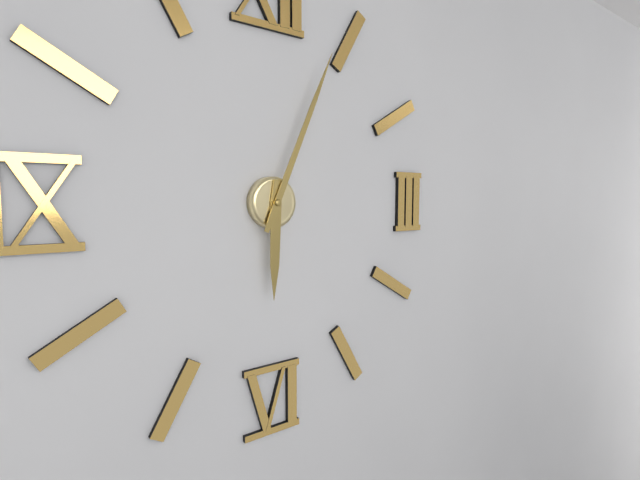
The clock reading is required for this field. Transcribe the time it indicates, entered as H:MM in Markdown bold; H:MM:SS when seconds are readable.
**6:04**
